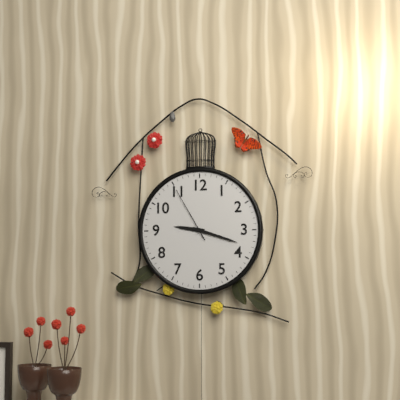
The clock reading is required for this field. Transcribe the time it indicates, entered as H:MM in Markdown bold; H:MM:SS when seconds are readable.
**9:18:55**
